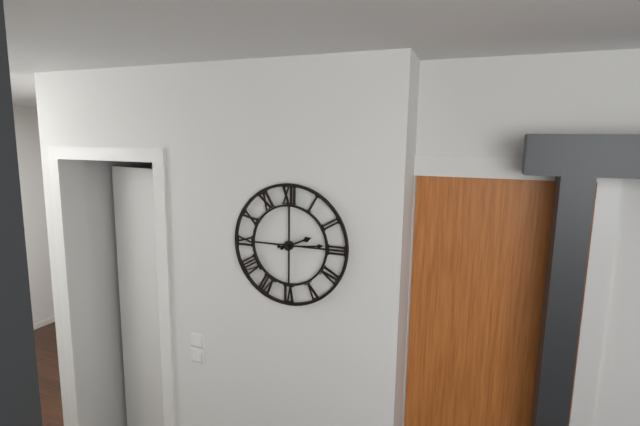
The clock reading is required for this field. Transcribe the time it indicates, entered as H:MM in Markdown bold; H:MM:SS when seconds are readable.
**2:14**
